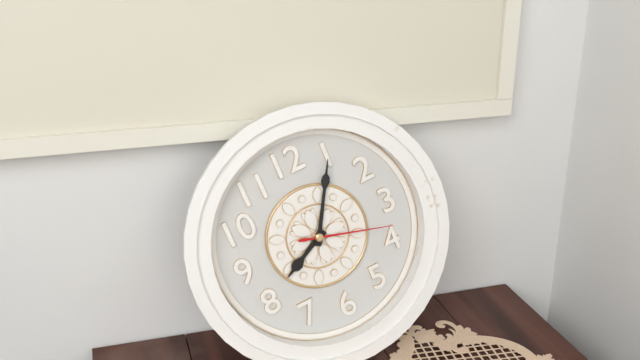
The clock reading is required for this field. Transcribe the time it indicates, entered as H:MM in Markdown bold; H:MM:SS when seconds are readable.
**8:05:18**
